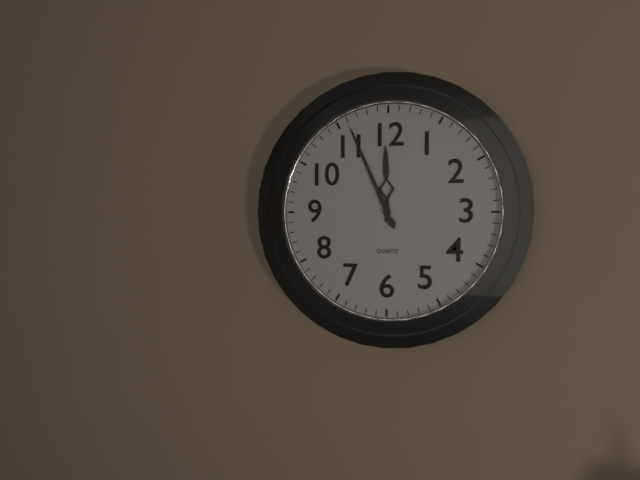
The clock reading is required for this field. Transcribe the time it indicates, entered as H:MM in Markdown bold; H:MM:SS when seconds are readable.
**11:56**
